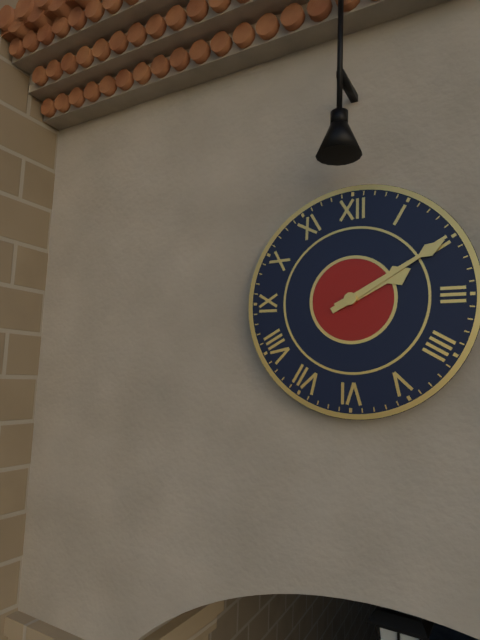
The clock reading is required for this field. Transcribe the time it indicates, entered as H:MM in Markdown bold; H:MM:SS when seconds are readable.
**2:10**
